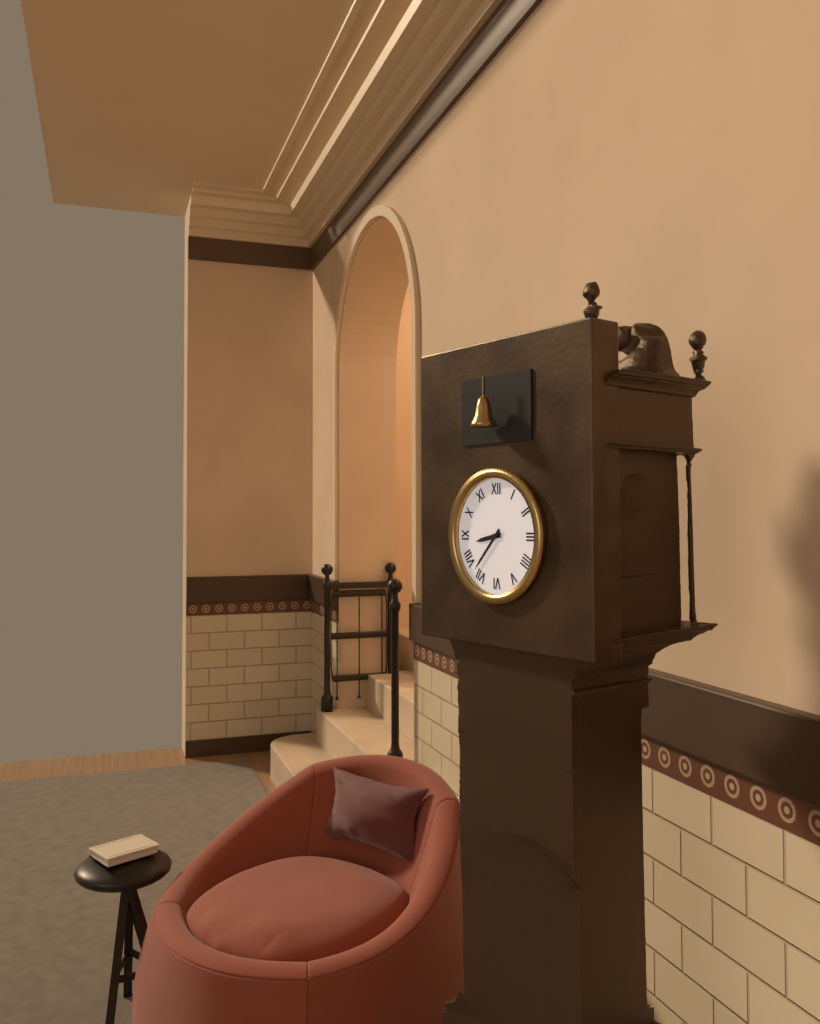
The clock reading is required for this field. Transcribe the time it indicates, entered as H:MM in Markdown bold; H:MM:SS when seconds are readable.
**8:37**
